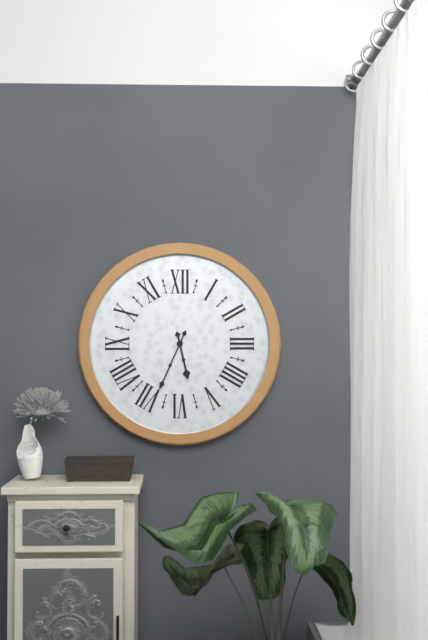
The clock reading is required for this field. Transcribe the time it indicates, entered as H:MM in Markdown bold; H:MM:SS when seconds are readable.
**5:34**
